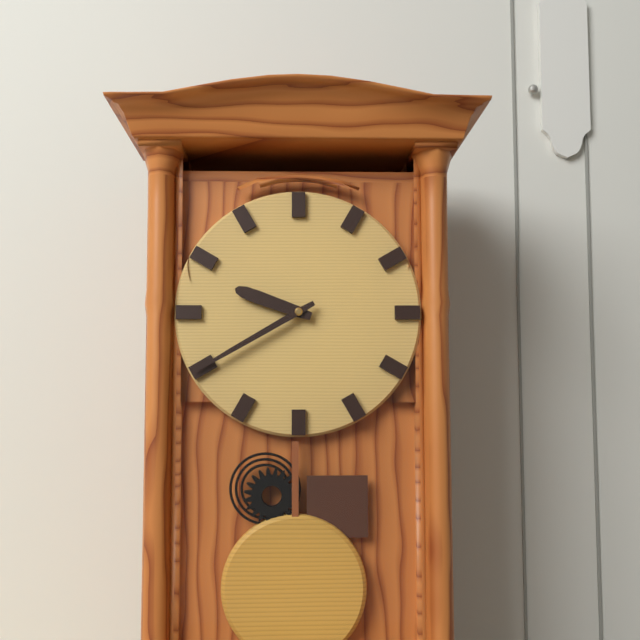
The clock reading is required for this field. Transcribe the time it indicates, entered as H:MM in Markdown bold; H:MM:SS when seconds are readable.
**9:40**
